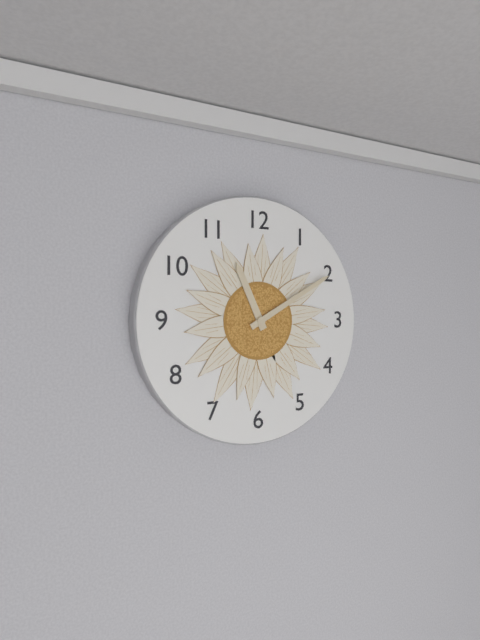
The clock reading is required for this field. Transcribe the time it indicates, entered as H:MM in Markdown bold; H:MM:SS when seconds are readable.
**11:10**
